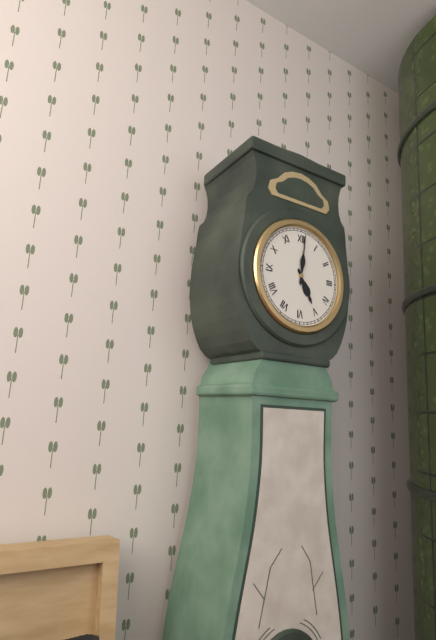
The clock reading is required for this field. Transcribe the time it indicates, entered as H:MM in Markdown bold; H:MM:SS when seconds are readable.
**5:01**
